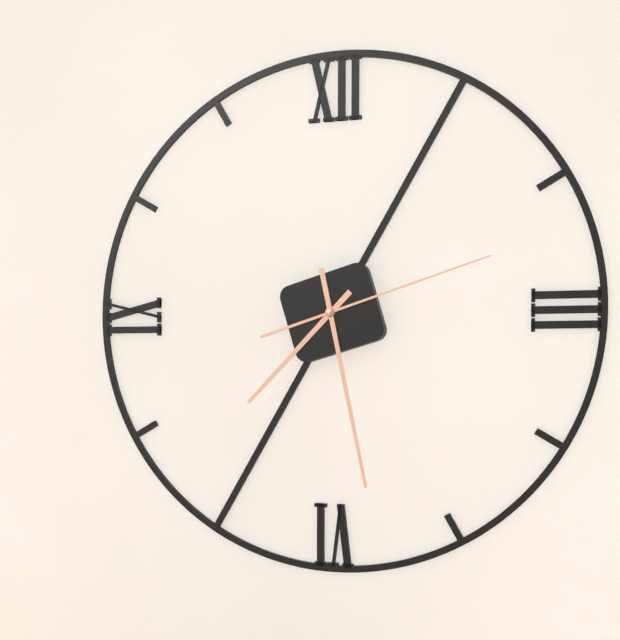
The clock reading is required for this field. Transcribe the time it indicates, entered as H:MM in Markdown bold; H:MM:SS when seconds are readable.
**7:28:12**
